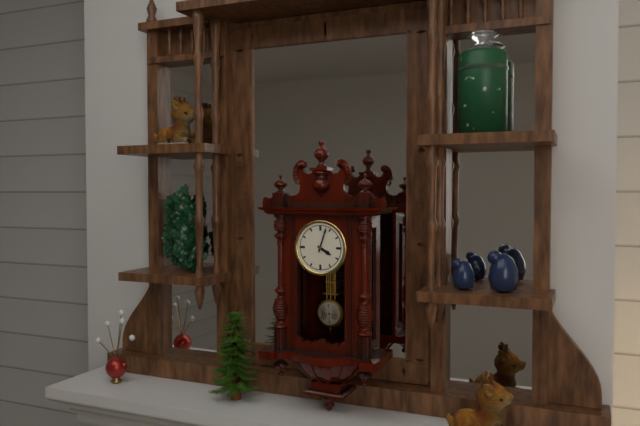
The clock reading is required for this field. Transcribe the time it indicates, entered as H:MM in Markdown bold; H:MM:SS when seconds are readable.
**4:03**
